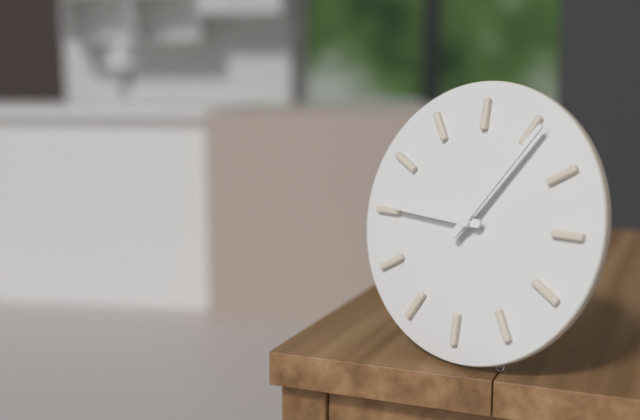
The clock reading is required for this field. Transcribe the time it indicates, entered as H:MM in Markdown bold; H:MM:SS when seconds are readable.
**9:06**
